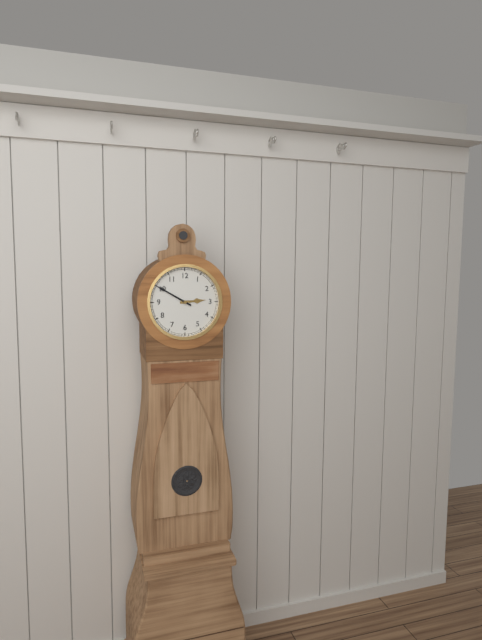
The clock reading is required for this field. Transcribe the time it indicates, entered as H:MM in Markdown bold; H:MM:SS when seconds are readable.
**2:50**
